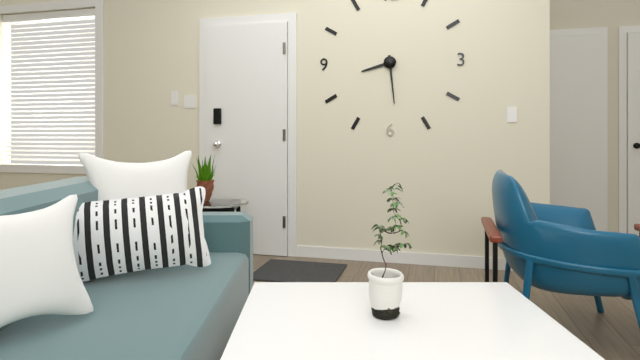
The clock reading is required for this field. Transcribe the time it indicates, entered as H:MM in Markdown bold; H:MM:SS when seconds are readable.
**8:29**
